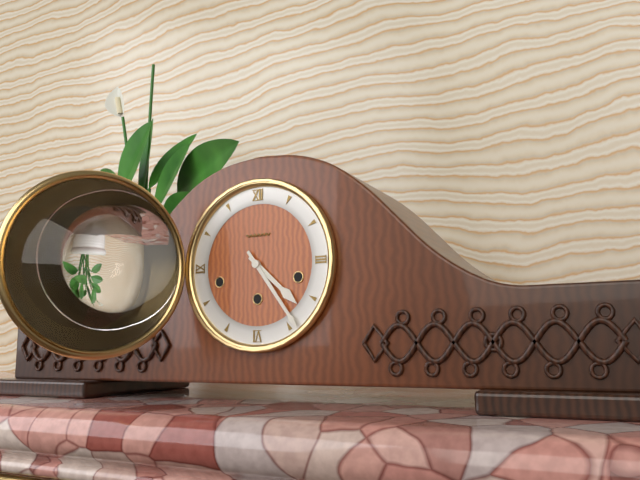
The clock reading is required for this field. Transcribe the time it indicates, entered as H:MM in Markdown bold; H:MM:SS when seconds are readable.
**4:24**
